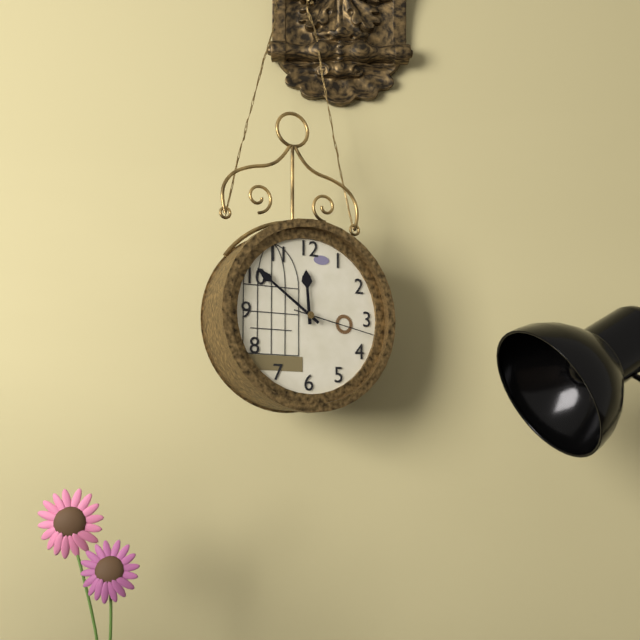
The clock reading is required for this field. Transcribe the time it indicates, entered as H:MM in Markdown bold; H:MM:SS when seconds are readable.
**11:51:17**
